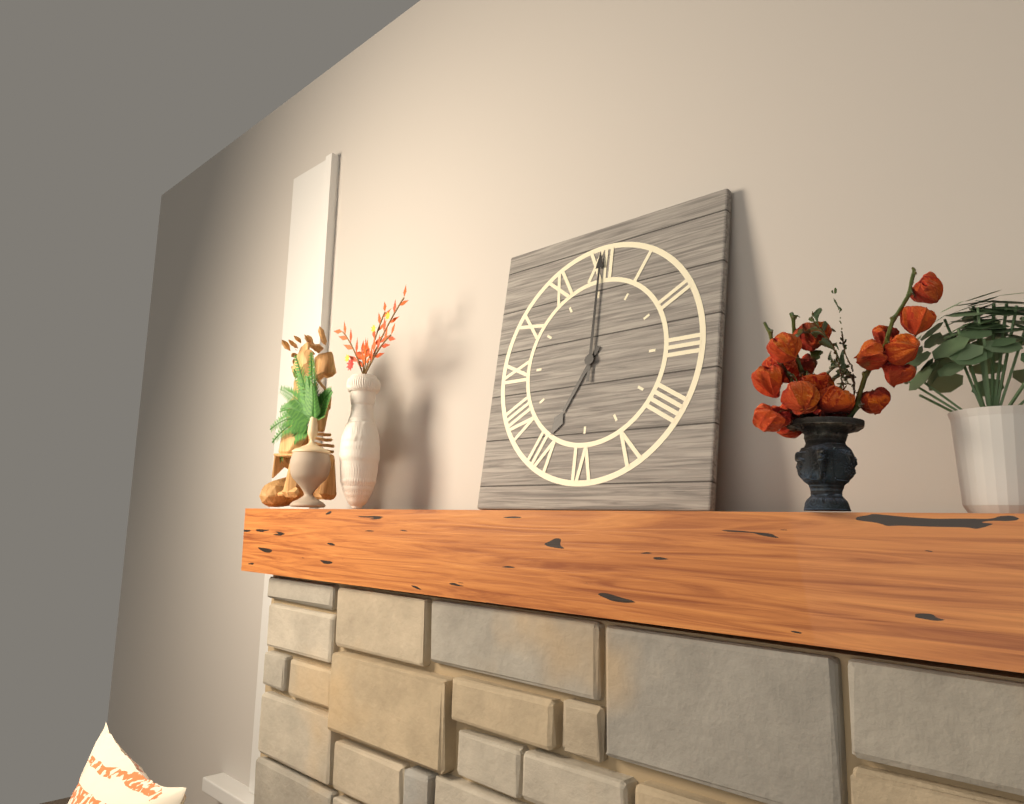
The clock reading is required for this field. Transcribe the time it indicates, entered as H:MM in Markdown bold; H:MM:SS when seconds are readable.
**7:00**
